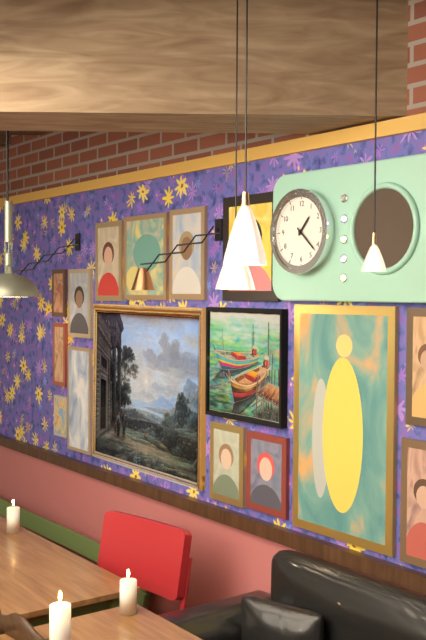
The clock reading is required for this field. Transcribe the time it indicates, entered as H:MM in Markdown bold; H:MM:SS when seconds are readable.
**1:22**
